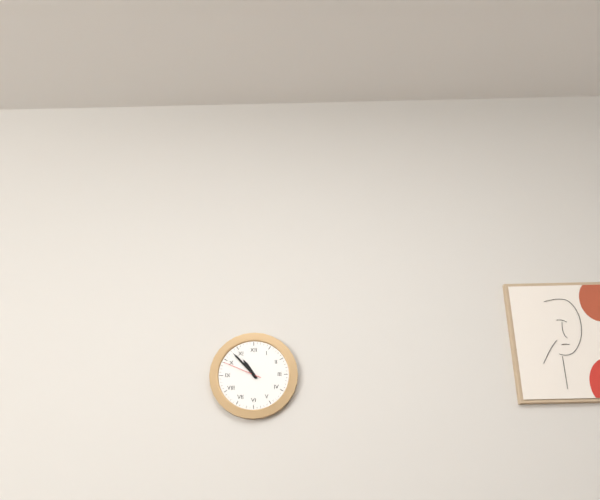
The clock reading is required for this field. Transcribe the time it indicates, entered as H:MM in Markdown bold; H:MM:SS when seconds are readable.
**10:53**
